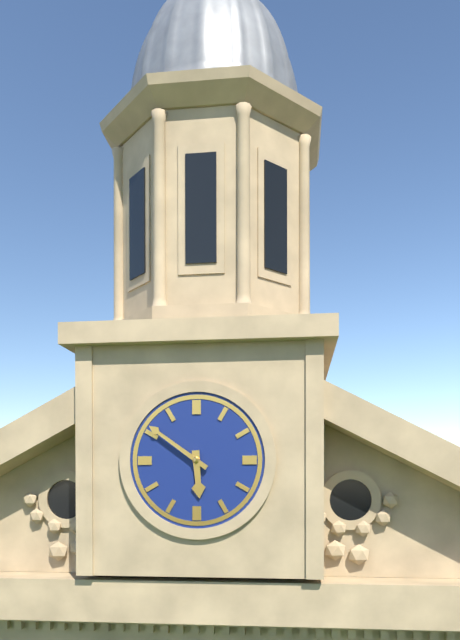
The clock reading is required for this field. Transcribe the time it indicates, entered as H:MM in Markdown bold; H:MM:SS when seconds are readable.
**5:51**
